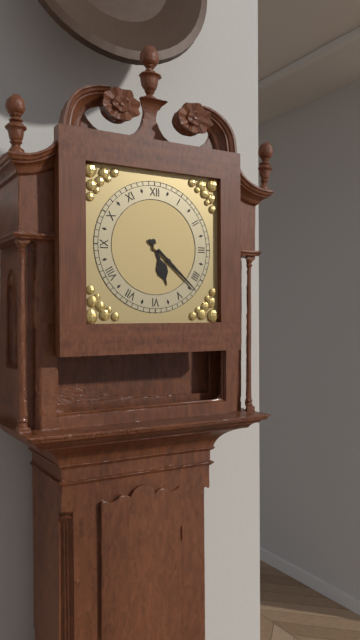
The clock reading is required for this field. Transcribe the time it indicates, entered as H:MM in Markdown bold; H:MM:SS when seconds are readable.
**5:22**
